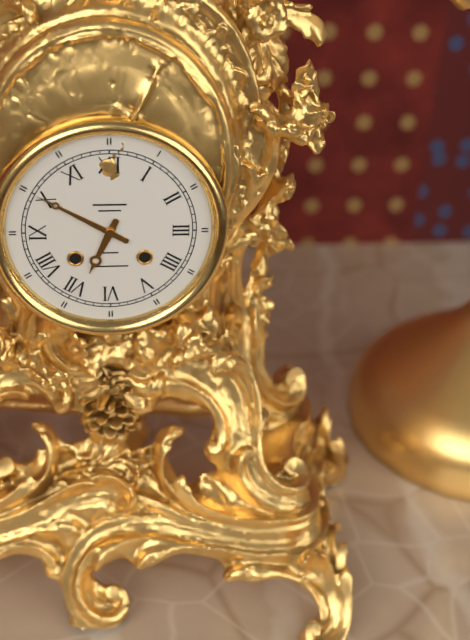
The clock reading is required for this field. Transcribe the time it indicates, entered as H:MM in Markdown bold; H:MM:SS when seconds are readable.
**6:50**
